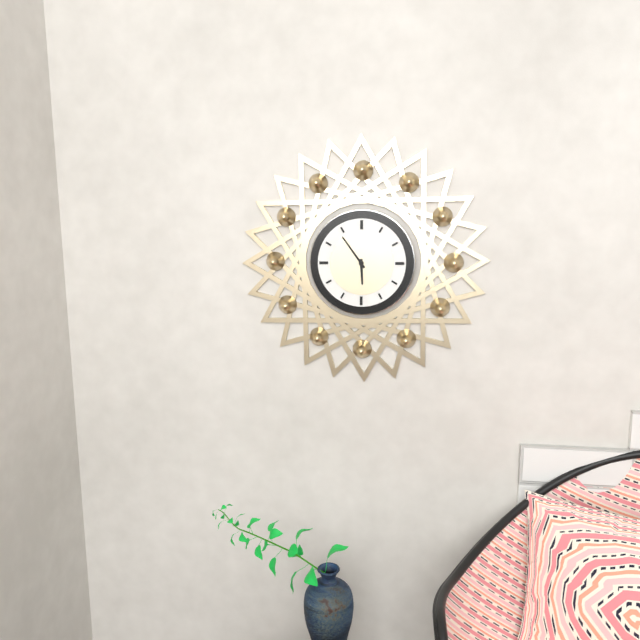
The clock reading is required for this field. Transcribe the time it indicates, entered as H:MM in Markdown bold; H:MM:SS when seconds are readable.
**5:54**
